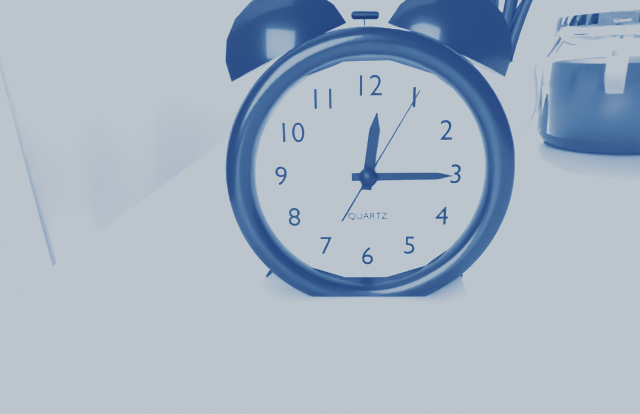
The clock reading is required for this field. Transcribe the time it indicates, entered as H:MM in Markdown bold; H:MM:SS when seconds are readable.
**12:15:05**
